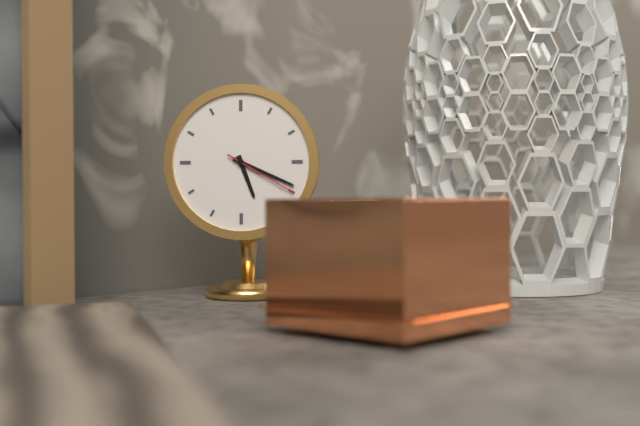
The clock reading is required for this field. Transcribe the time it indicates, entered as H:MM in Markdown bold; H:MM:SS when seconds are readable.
**5:19:20**
